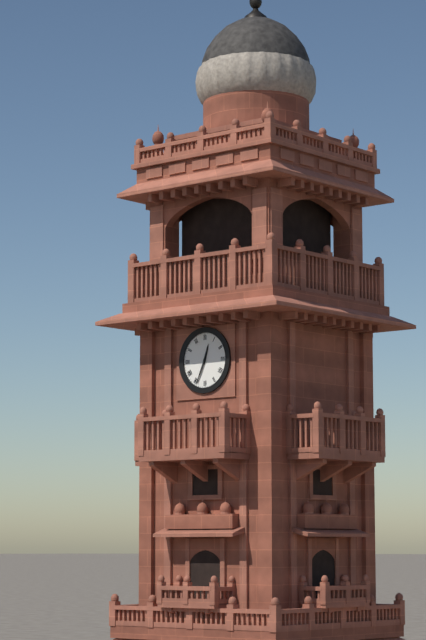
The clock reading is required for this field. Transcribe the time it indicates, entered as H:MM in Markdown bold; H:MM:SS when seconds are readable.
**12:34**
